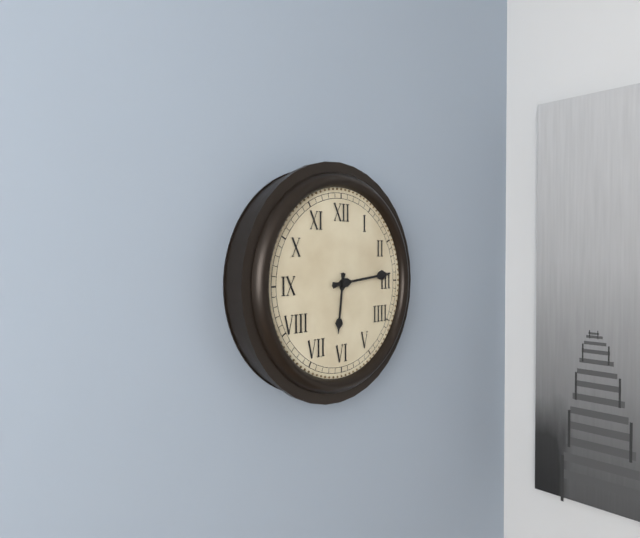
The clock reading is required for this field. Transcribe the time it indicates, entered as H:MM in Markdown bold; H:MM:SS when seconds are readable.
**6:14**
